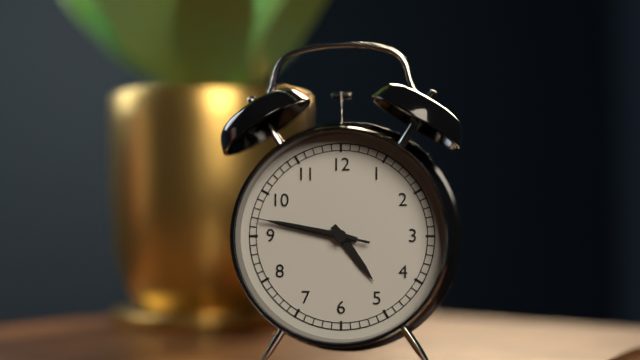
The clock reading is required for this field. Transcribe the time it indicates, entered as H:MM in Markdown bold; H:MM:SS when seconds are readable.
**4:47:47**
